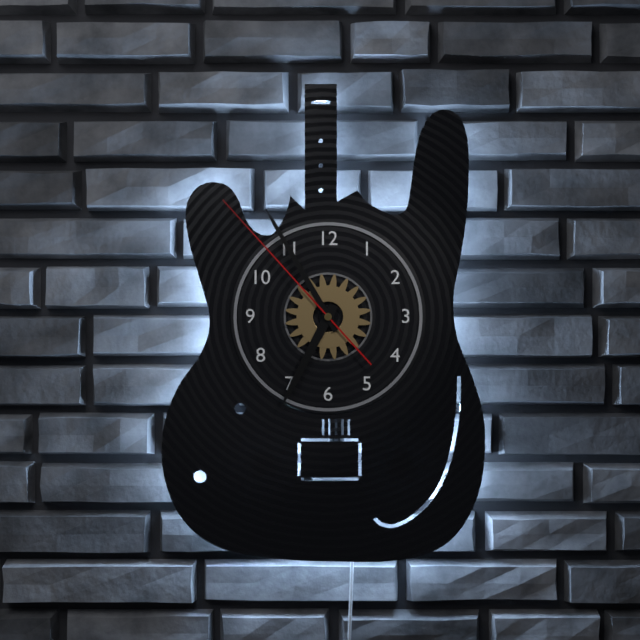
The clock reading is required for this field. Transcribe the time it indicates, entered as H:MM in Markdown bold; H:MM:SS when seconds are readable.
**6:55:53**
